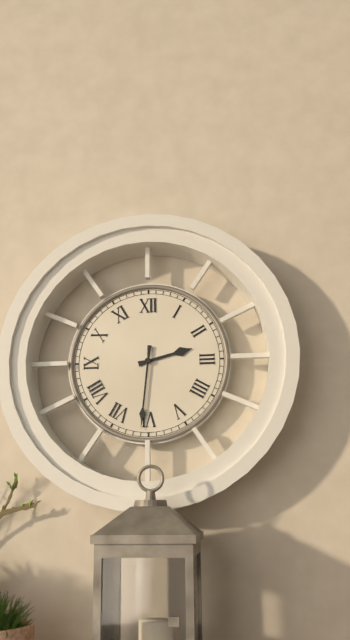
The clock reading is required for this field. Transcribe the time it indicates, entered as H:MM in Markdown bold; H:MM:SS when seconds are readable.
**2:31**
